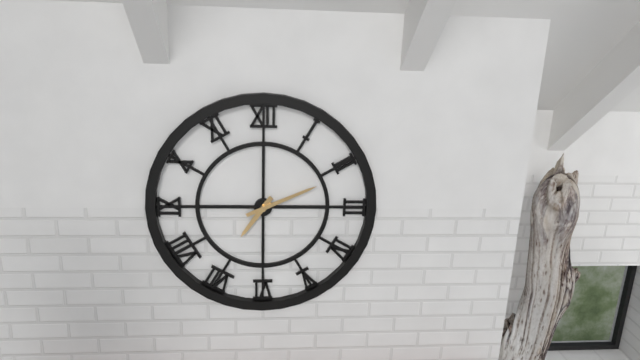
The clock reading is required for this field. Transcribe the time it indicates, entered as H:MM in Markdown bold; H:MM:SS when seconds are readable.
**7:11**
